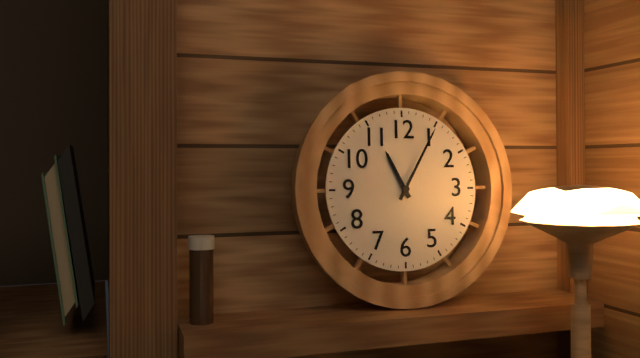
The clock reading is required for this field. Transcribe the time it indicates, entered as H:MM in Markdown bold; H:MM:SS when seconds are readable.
**11:05**
